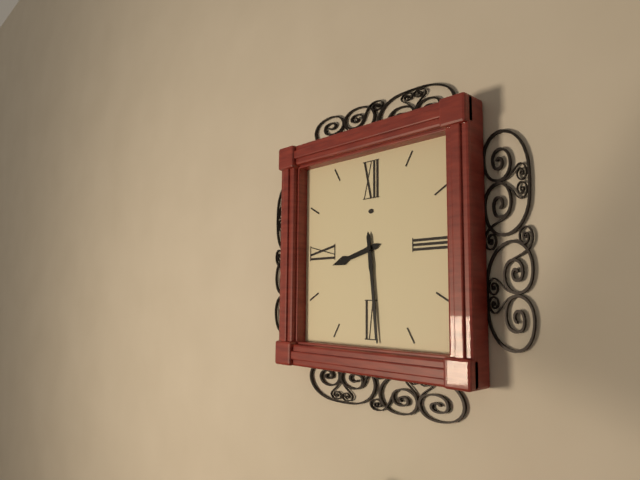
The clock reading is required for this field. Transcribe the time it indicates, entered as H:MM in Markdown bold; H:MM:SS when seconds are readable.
**8:29**
